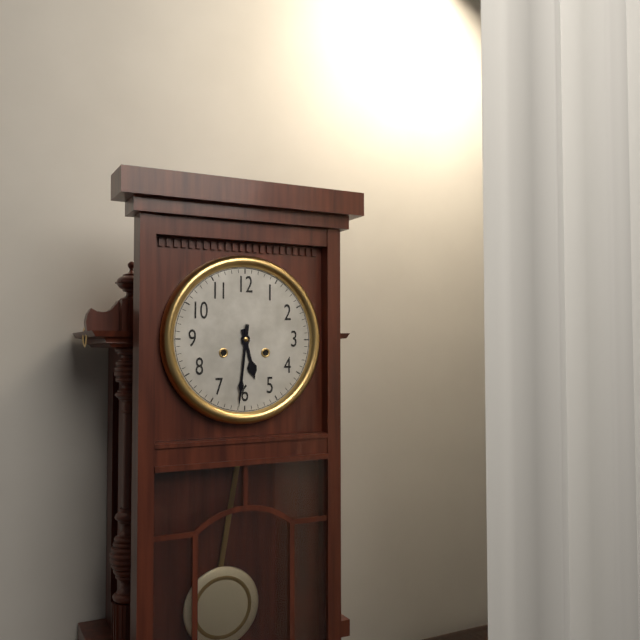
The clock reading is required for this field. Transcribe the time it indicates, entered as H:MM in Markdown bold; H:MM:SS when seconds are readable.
**5:31**
